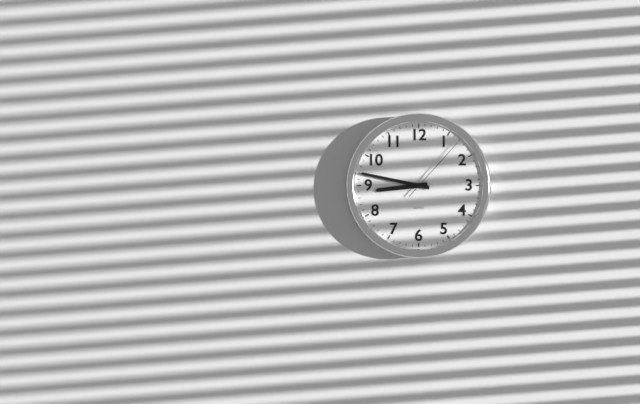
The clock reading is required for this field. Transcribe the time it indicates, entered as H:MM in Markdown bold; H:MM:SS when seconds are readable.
**8:47:07**
